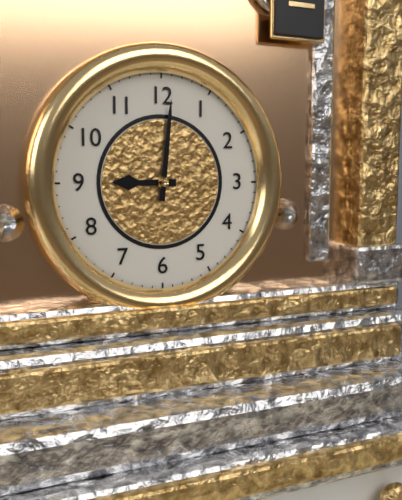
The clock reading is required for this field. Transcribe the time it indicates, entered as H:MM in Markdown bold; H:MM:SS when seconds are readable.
**9:01**
